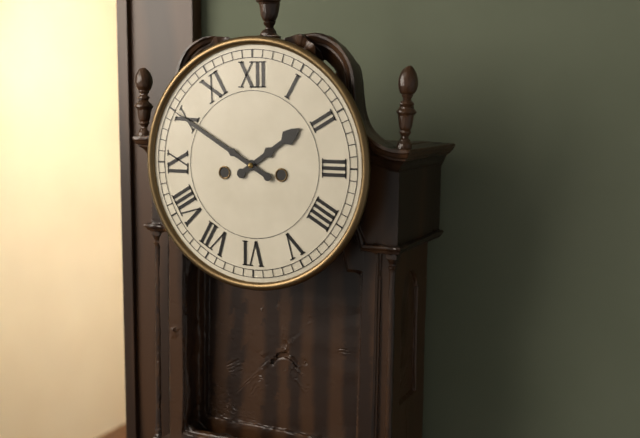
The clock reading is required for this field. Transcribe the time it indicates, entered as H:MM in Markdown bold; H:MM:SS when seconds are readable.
**1:50**
